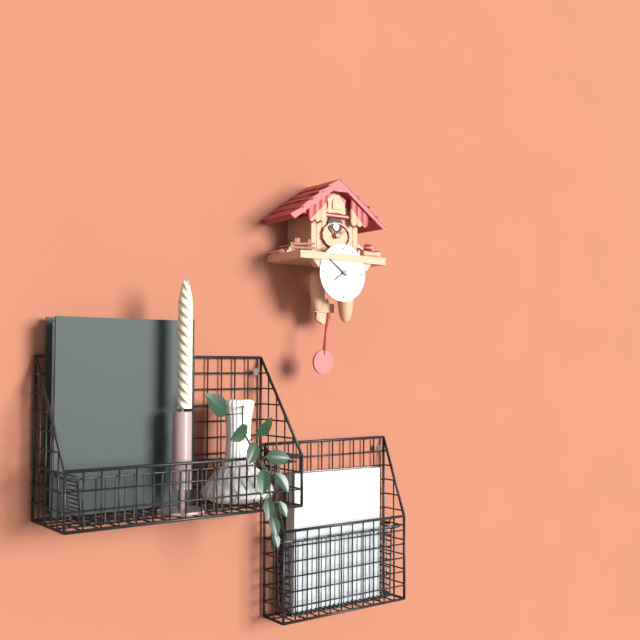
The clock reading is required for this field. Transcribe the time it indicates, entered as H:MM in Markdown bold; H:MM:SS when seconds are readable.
**7:51**
